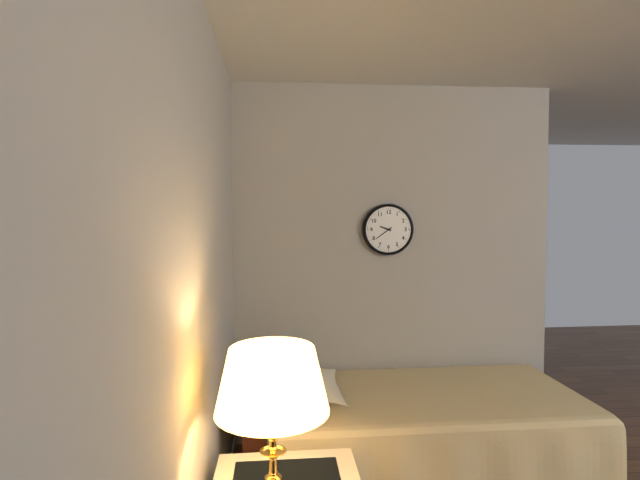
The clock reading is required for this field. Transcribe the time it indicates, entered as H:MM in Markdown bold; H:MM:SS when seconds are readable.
**9:39**
